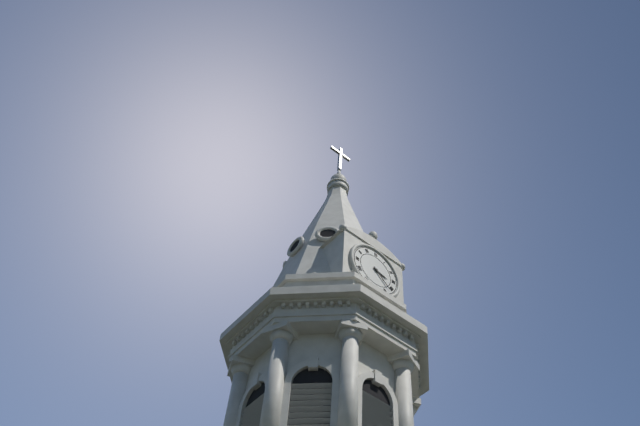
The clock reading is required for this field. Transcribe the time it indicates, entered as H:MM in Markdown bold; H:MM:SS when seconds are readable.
**3:22**
